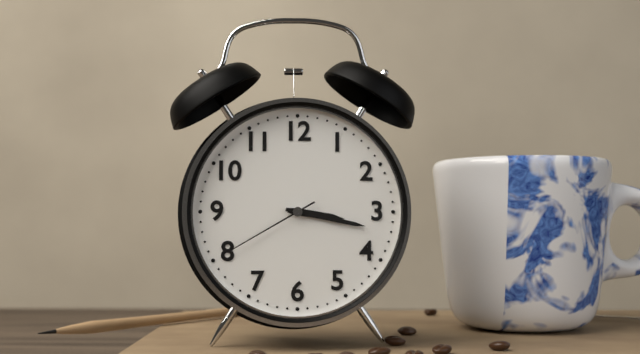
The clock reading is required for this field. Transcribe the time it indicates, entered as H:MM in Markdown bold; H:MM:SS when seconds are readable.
**3:17:40**
